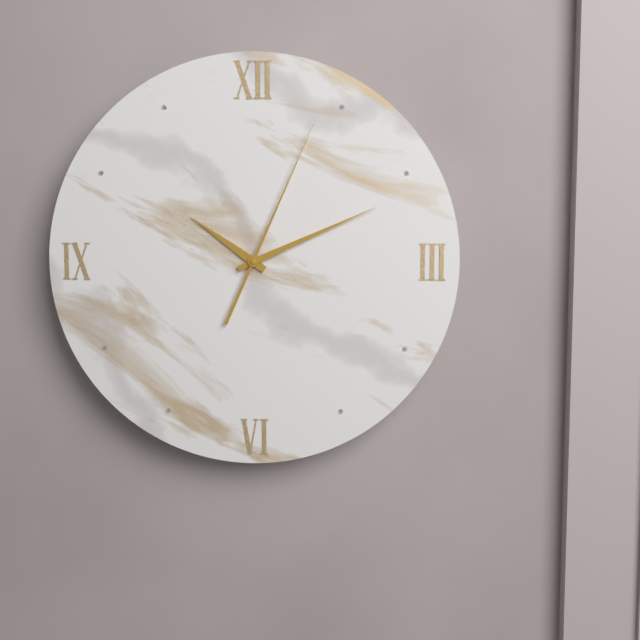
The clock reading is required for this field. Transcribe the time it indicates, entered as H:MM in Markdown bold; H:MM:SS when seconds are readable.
**10:11:04**
